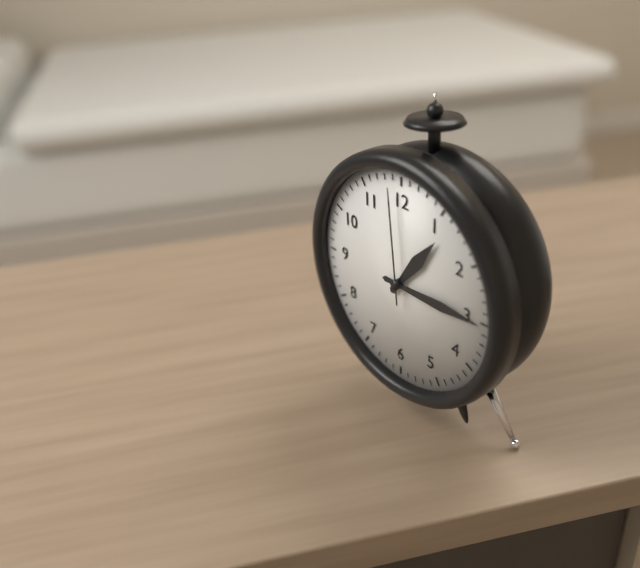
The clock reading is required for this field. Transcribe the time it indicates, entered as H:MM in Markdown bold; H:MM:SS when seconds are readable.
**1:15:59**
